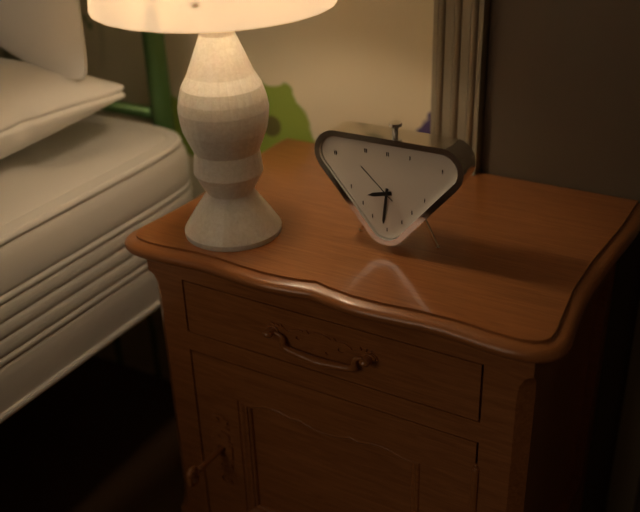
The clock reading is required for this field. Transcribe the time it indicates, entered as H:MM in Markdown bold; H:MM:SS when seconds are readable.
**8:31**
